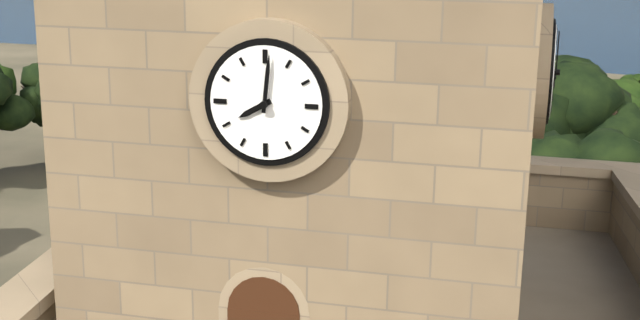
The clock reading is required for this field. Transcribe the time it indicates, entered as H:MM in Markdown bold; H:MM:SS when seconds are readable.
**8:01**
